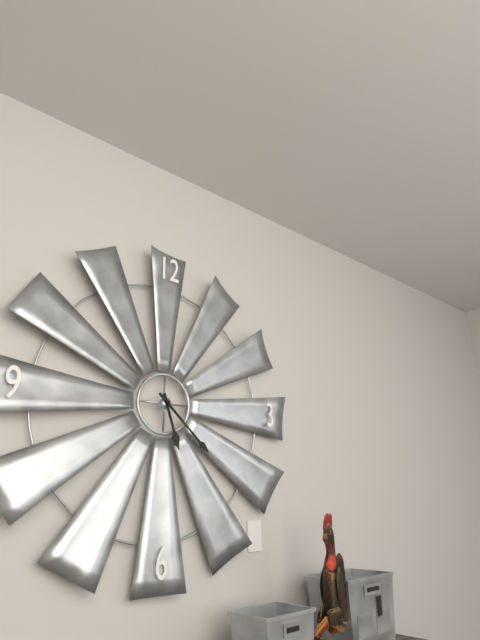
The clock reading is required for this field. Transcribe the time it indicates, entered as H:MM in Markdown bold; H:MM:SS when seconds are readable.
**5:22**
